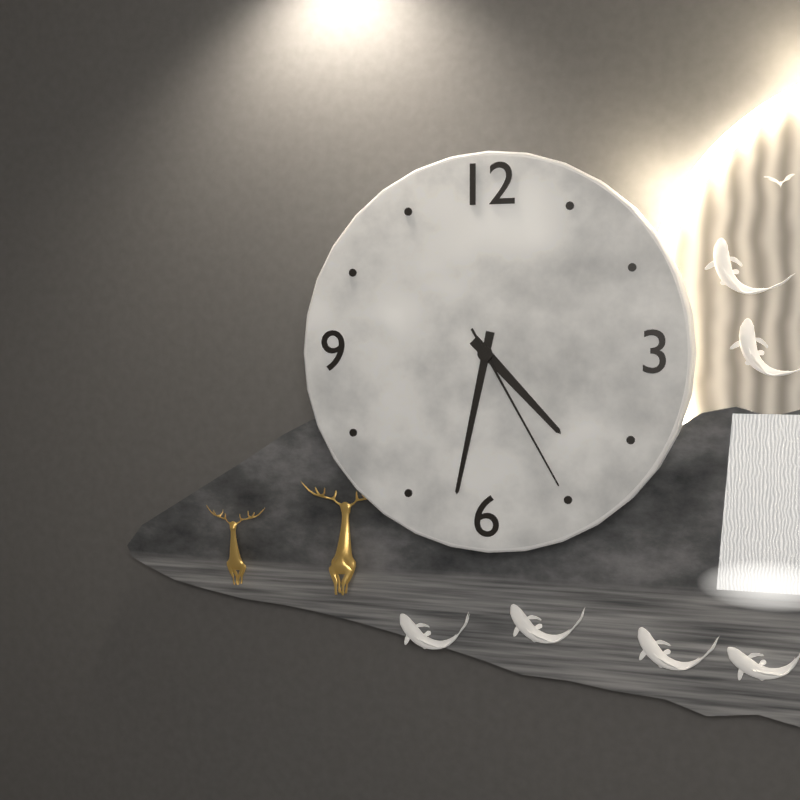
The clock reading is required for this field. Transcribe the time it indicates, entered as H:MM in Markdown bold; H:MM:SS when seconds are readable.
**4:32:25**
